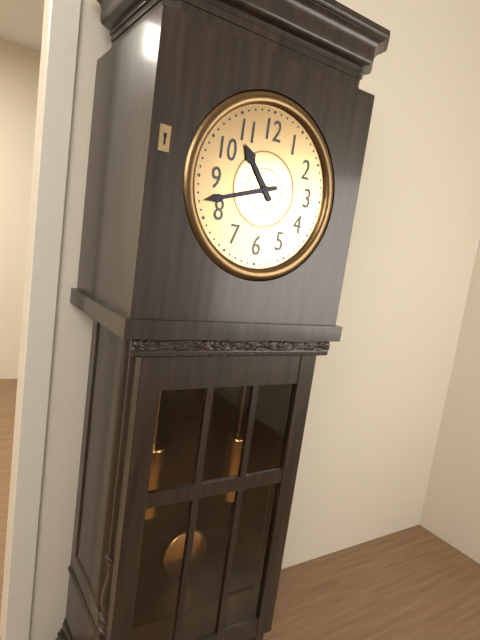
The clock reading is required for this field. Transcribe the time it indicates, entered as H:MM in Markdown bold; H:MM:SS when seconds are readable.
**10:42**
